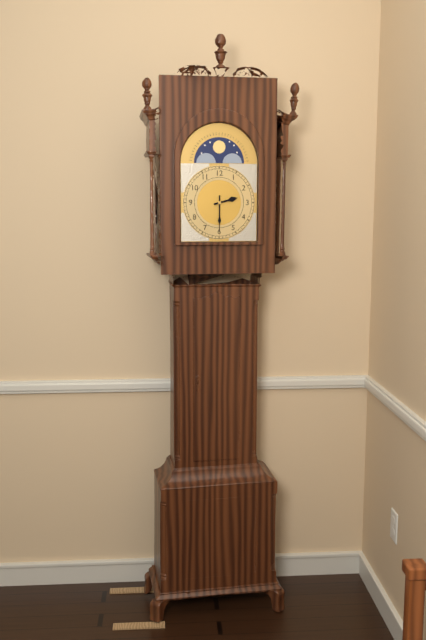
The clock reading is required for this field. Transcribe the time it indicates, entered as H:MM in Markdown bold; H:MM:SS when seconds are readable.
**2:30**
